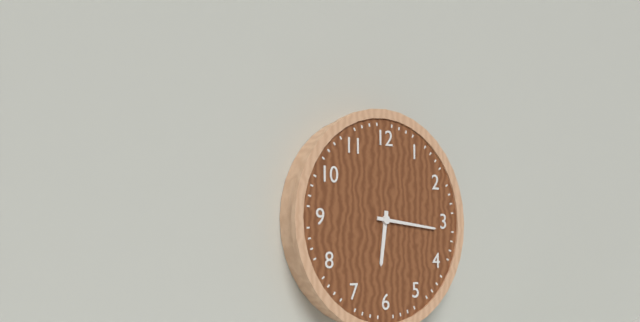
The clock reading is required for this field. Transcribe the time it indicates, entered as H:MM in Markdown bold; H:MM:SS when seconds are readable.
**6:16**
